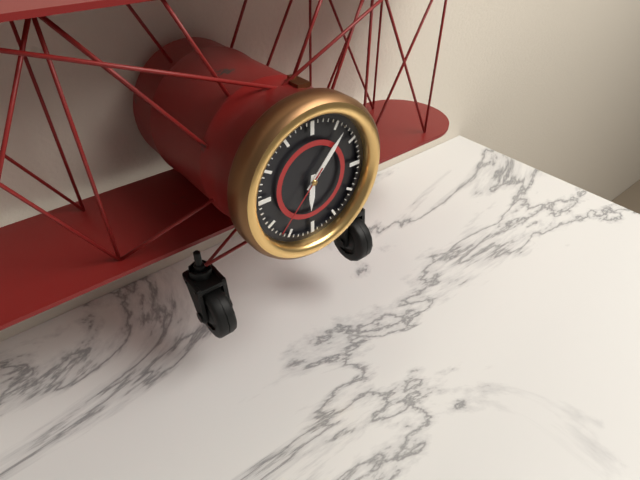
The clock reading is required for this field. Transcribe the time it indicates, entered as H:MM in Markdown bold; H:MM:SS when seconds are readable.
**6:07:37**
